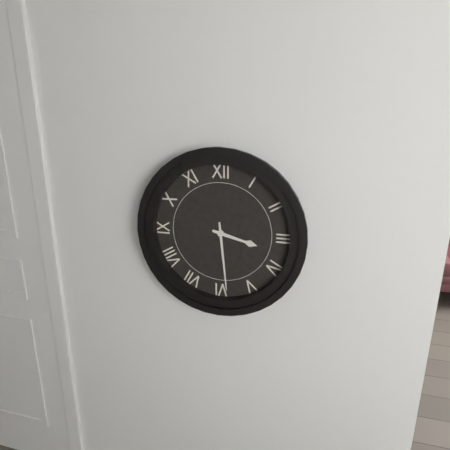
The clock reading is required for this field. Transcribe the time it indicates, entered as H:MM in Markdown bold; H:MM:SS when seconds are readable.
**3:29**
